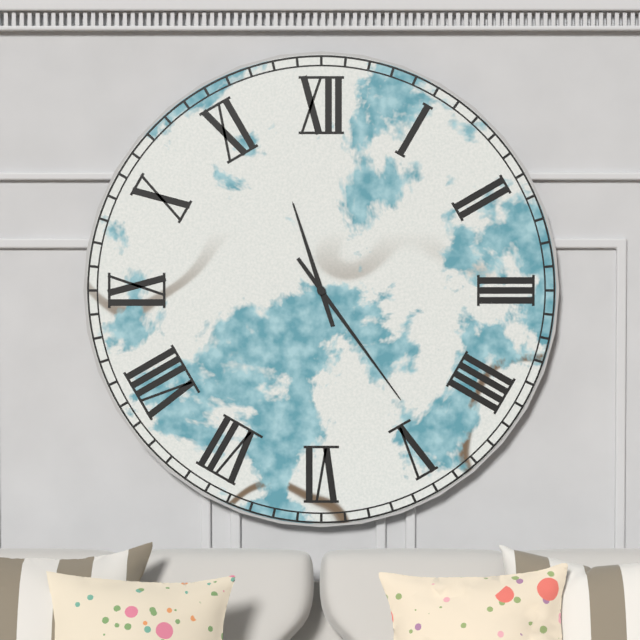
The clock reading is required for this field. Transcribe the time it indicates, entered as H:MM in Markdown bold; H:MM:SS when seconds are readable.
**11:24**
